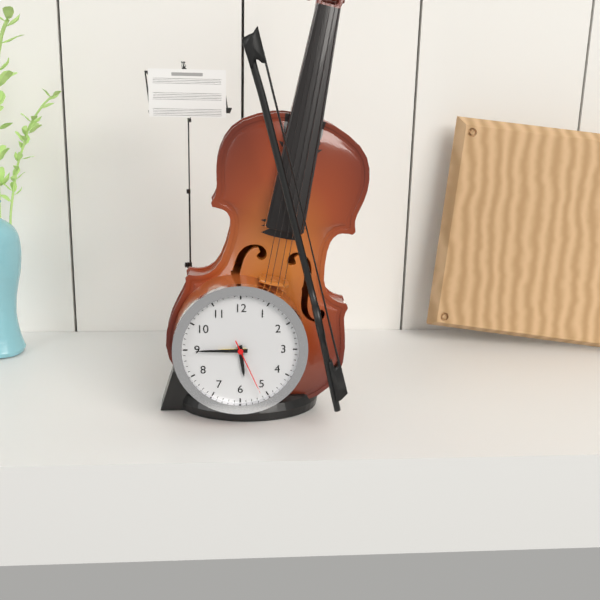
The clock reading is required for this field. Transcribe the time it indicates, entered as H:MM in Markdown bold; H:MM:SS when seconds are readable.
**5:45:26**
